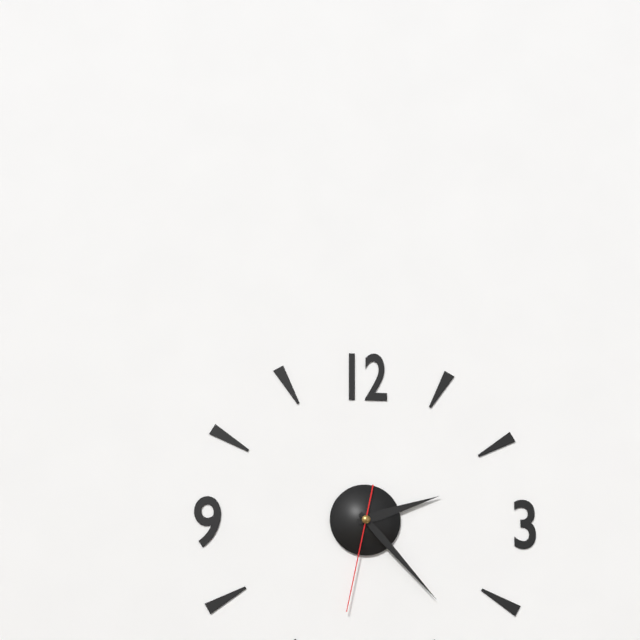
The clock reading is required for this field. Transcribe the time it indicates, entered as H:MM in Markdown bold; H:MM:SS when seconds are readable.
**2:23:32**
